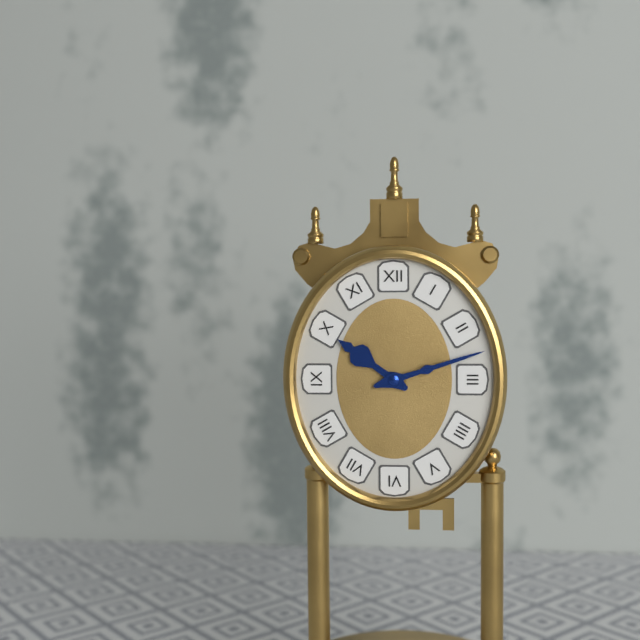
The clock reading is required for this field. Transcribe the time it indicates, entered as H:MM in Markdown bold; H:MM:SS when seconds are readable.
**10:12**
